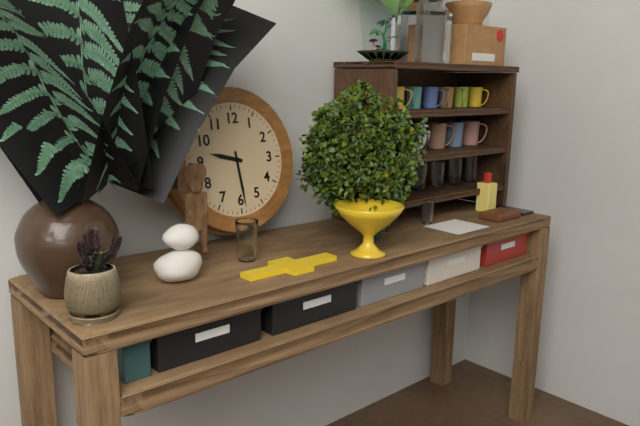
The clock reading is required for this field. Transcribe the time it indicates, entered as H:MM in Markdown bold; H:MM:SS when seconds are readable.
**9:29**
